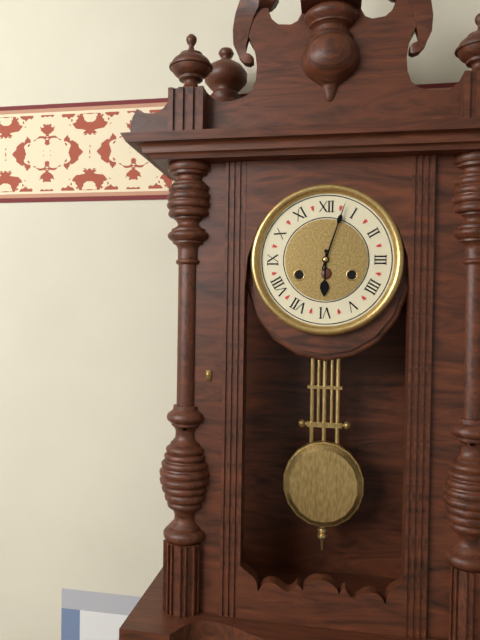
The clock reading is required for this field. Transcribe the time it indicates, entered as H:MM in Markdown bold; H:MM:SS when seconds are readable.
**6:03**
